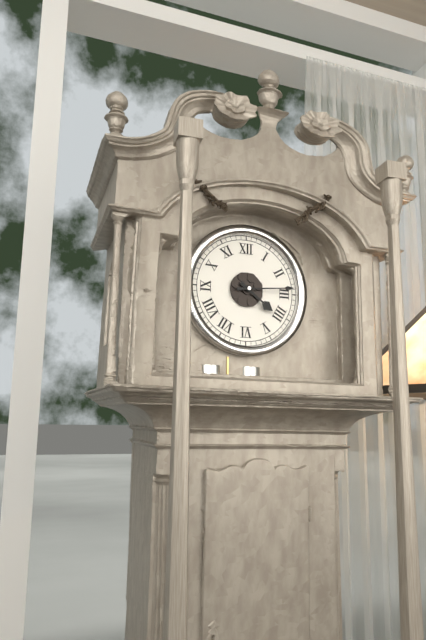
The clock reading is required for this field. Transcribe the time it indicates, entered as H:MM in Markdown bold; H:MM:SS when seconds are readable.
**4:14**
